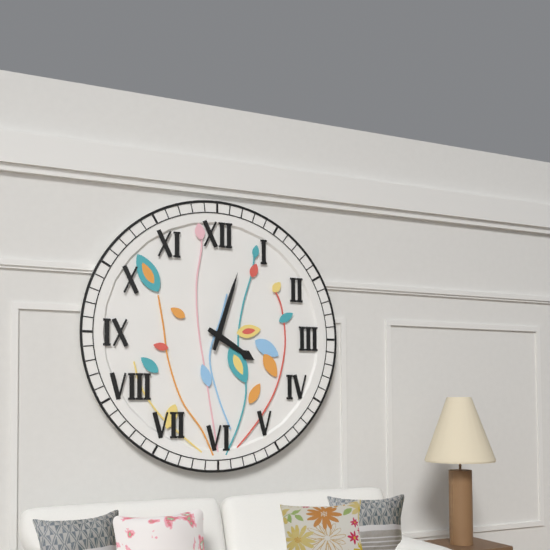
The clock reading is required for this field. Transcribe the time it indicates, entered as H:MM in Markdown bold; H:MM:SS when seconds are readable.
**4:03**
